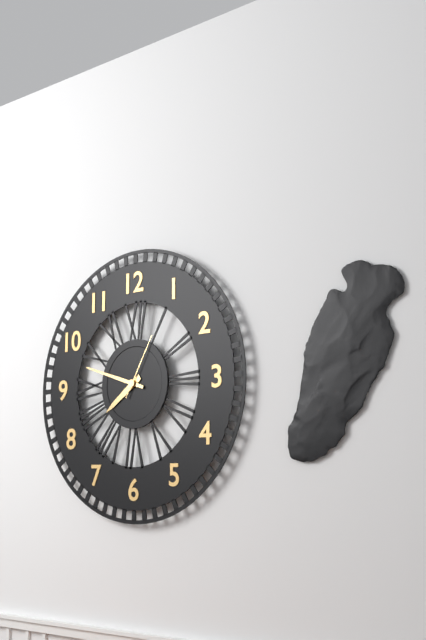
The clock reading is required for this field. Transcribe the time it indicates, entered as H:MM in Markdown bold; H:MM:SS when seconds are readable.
**7:48:05**
